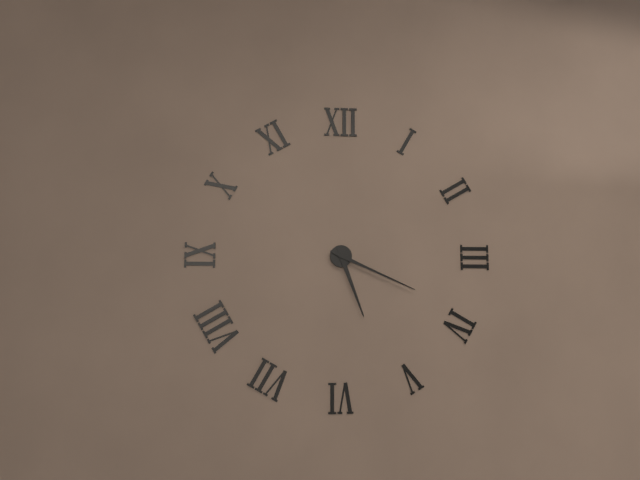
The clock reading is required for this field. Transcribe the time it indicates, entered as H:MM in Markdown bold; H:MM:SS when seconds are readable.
**5:19**
